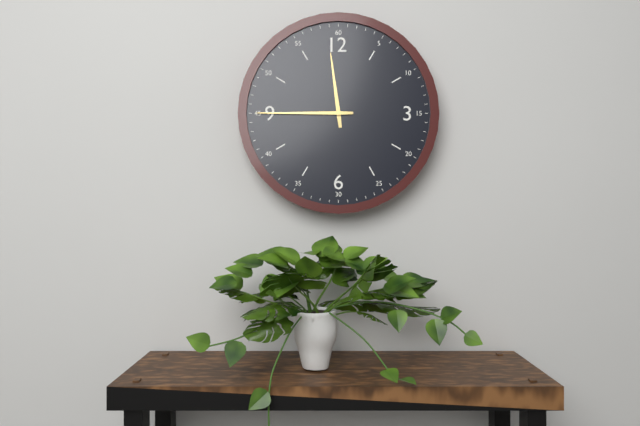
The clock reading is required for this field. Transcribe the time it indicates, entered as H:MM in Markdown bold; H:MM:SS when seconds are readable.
**11:45**
